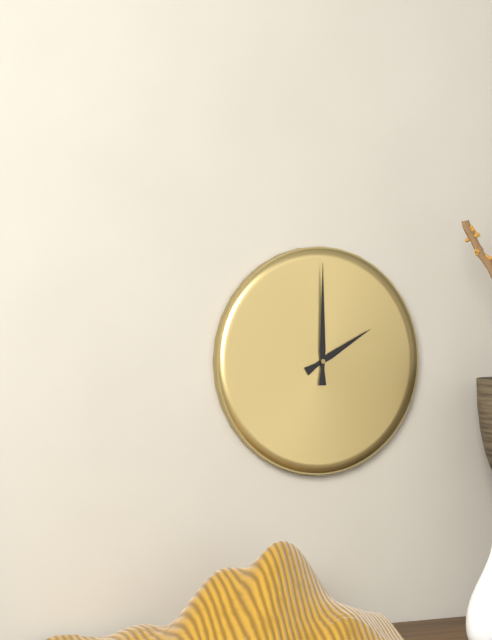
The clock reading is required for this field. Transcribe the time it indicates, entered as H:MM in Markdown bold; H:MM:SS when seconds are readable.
**2:00**
